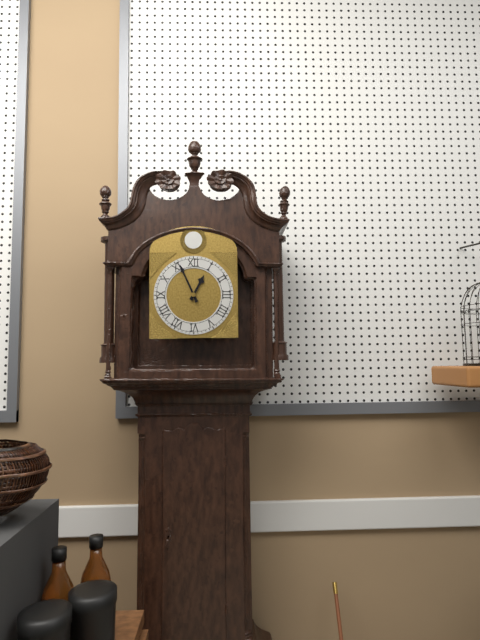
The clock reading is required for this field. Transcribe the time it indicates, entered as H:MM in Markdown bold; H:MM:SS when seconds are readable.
**12:56**
